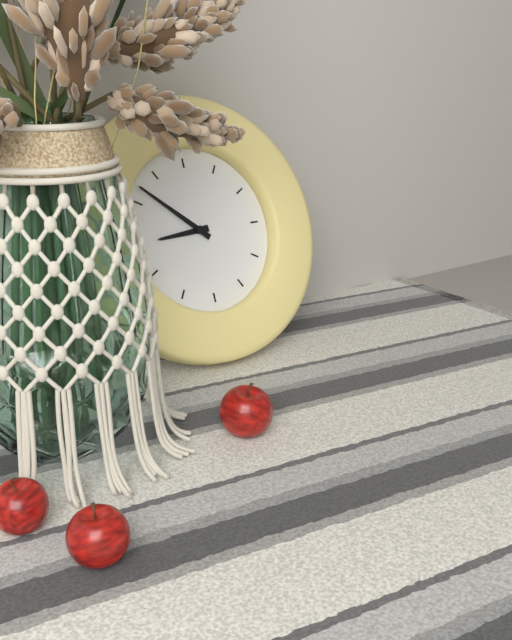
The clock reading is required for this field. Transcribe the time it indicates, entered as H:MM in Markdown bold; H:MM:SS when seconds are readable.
**8:52**
